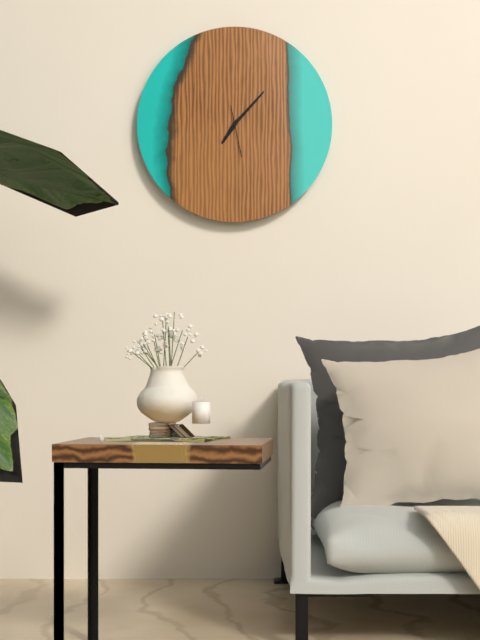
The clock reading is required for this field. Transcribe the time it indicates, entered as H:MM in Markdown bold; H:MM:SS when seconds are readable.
**7:07**
